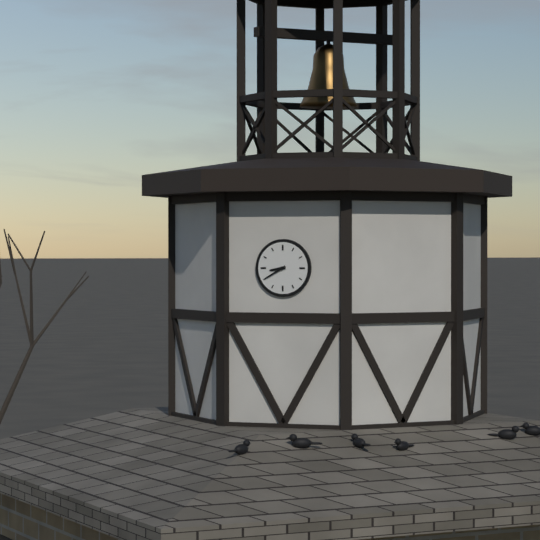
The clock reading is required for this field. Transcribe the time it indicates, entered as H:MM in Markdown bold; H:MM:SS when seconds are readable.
**8:40**
